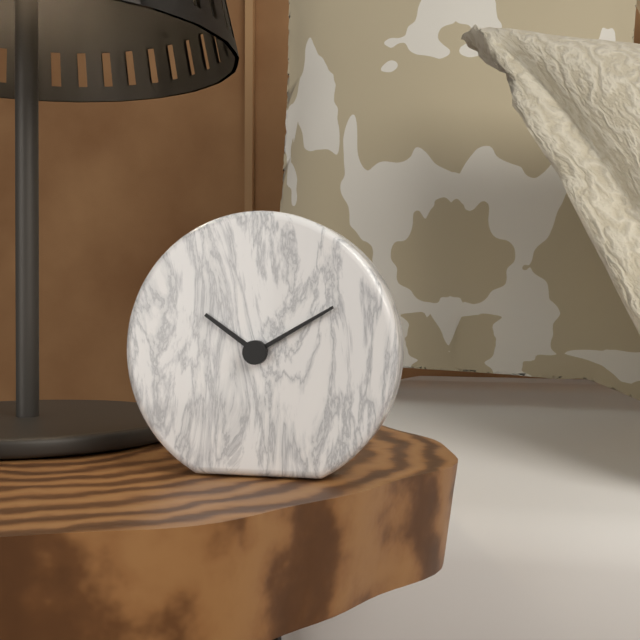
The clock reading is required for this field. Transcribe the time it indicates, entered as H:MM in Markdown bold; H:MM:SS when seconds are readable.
**10:10**
